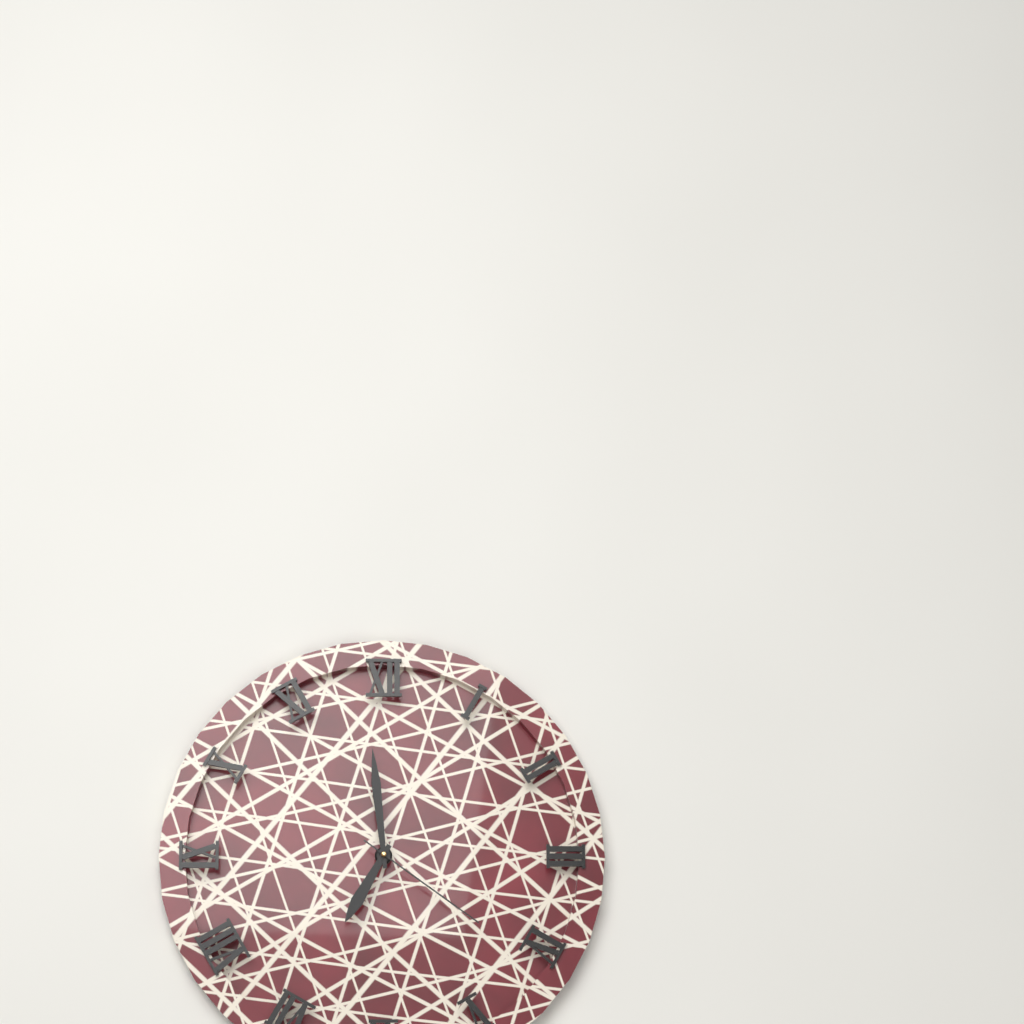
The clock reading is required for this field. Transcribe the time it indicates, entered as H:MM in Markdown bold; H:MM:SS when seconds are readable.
**6:59:21**
